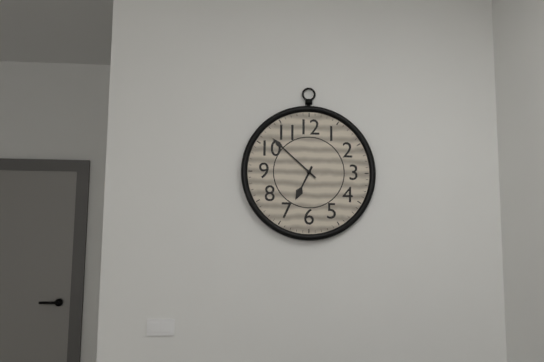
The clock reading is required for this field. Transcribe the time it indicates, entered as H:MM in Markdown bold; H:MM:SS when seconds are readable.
**6:52**
